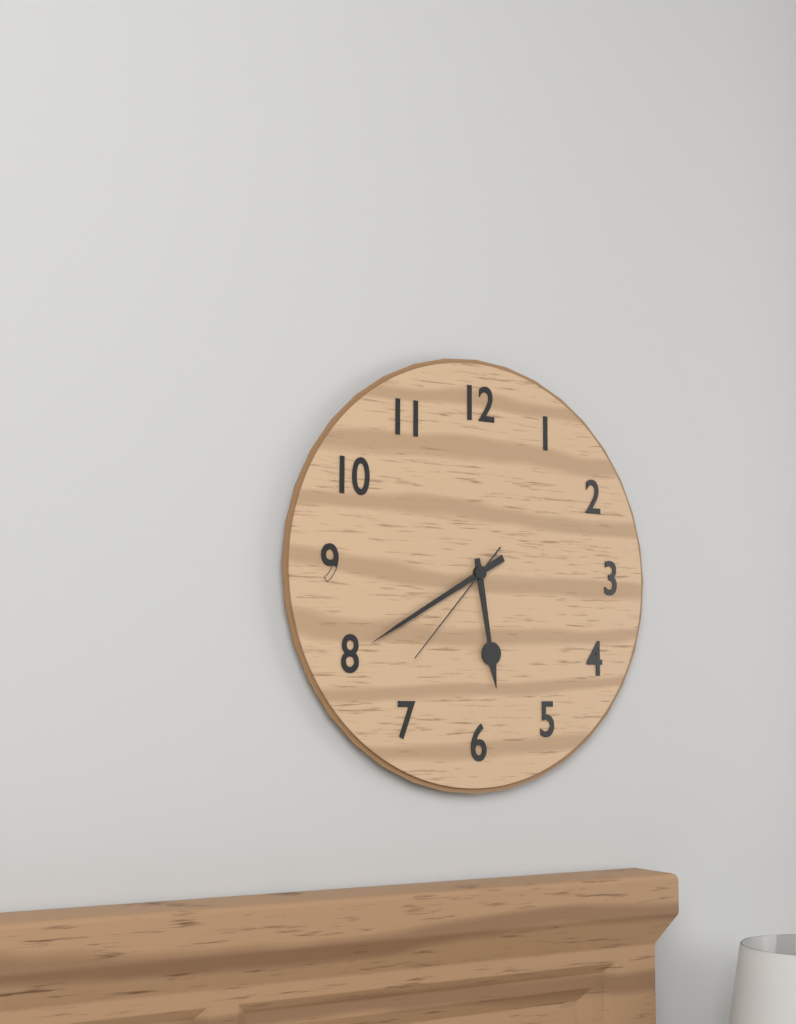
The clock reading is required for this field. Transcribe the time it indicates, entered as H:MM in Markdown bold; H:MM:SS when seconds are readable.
**5:40:37**
